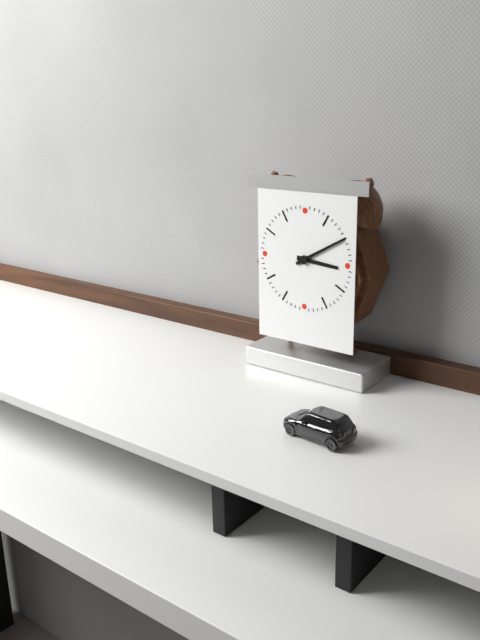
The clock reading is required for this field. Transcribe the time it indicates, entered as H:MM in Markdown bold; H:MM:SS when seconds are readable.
**3:10**
